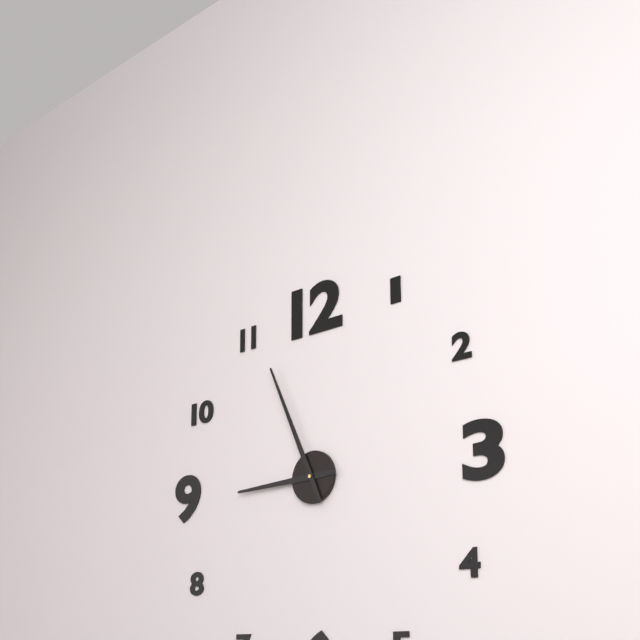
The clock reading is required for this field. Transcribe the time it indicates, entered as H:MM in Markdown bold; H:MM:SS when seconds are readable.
**8:56**
